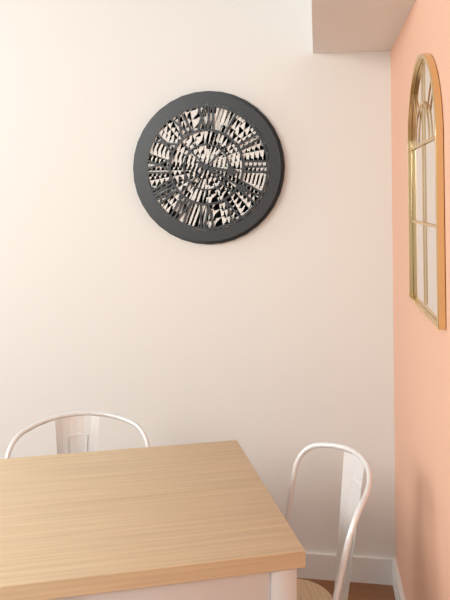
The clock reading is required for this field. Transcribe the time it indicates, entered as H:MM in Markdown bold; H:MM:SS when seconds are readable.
**3:20**
